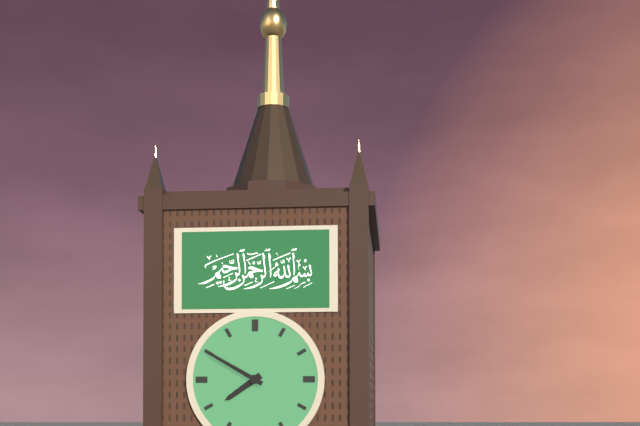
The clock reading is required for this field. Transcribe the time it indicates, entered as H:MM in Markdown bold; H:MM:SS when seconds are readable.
**7:50**
